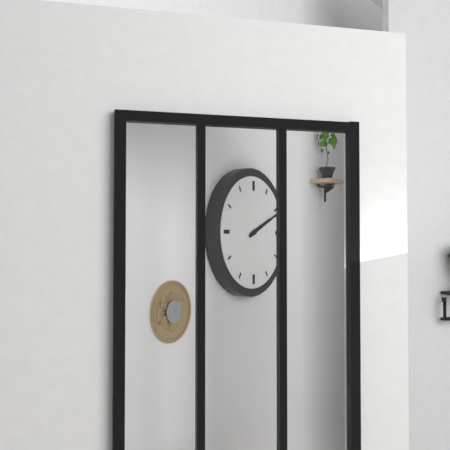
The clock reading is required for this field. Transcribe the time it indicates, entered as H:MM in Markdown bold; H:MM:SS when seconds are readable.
**2:11**
